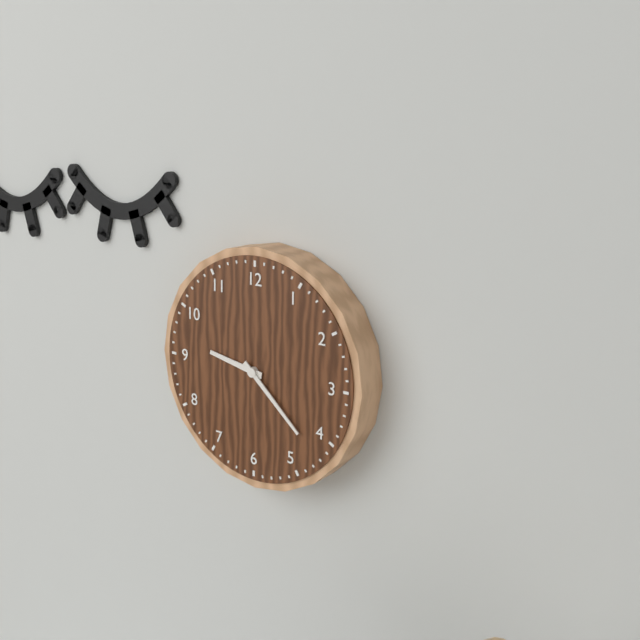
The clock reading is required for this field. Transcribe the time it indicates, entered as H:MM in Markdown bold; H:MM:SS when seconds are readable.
**9:22**
